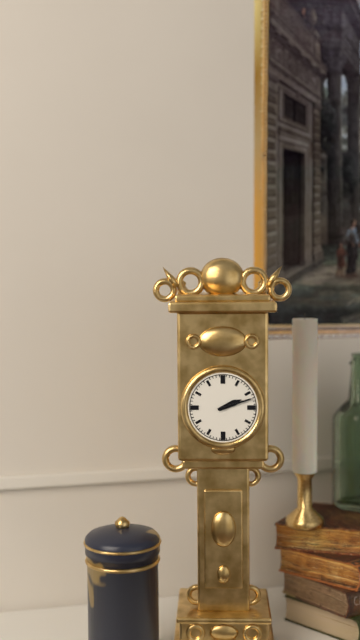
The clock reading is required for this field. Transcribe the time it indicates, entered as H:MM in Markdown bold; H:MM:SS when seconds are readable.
**2:12**
